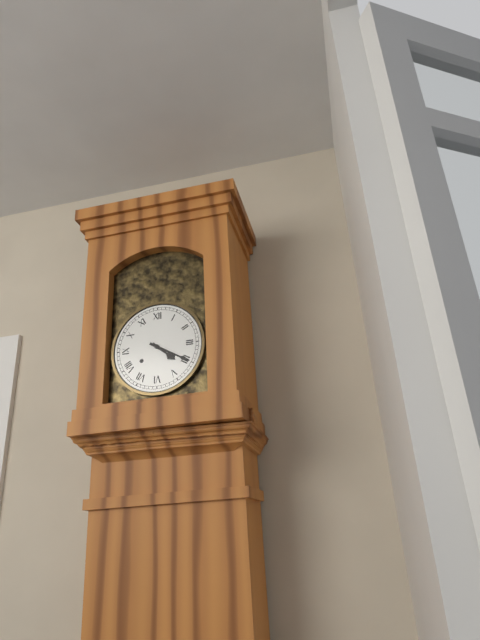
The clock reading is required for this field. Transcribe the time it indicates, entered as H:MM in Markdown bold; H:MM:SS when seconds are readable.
**4:20**
